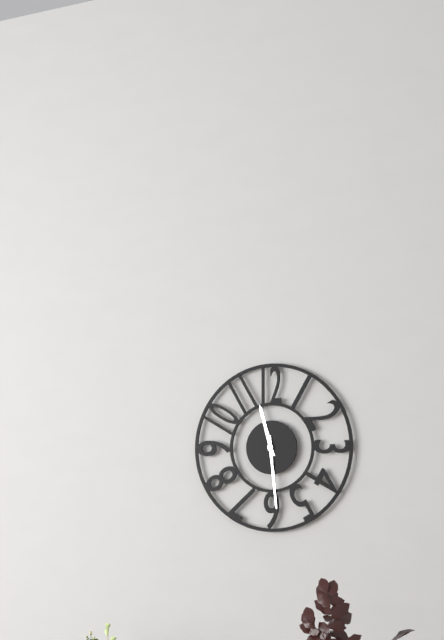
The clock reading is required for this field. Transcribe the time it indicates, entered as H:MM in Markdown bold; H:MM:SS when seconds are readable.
**11:29**
